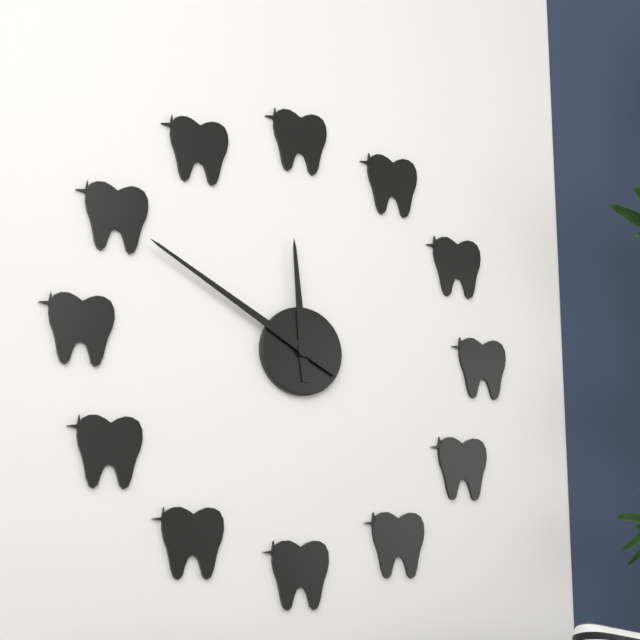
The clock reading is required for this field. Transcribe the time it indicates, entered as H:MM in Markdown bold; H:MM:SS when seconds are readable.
**11:50**
